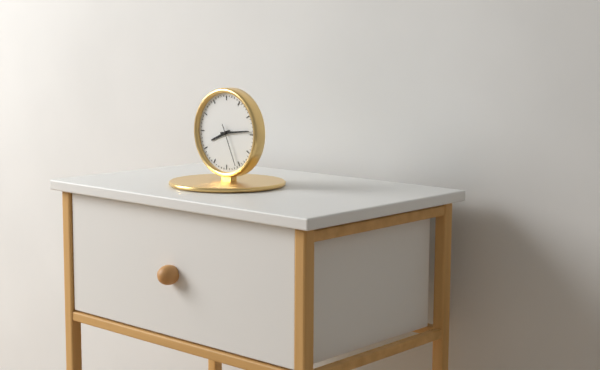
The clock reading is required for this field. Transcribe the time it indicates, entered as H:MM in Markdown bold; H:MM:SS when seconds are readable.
**8:14**
